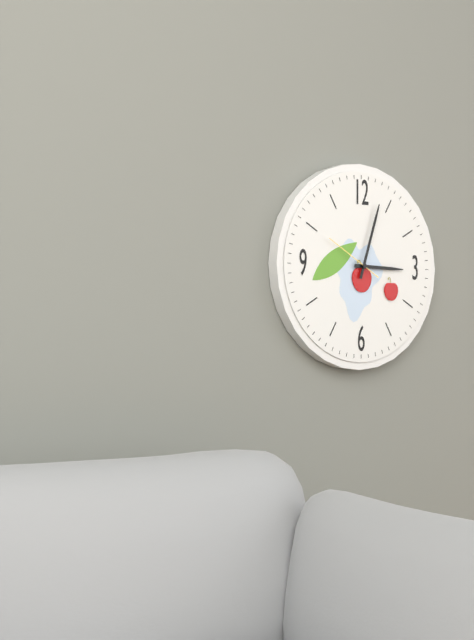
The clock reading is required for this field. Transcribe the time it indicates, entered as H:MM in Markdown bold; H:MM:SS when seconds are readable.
**3:03:50**
